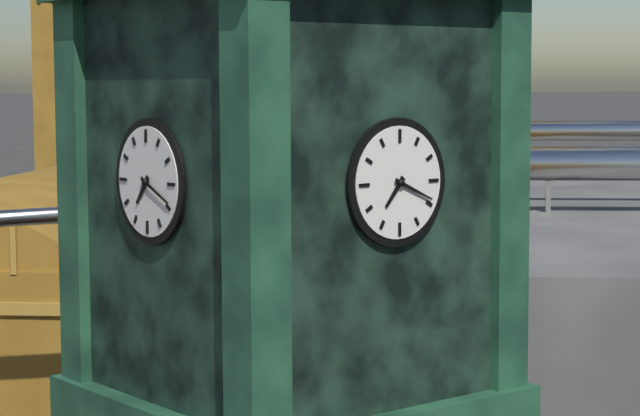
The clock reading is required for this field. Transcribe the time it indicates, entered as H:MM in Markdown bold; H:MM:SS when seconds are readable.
**7:19**
